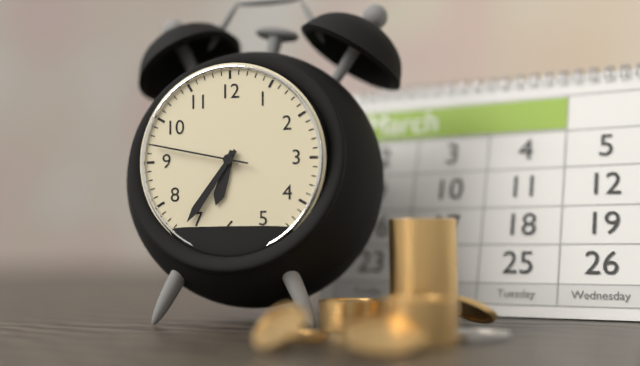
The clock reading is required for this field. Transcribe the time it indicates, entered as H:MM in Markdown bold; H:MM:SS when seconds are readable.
**6:36:47**
